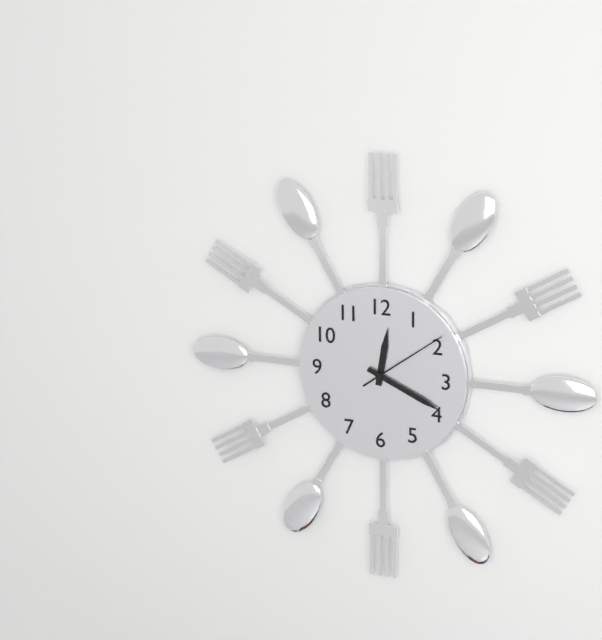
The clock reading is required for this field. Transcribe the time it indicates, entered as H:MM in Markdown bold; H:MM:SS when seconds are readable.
**12:19:09**
